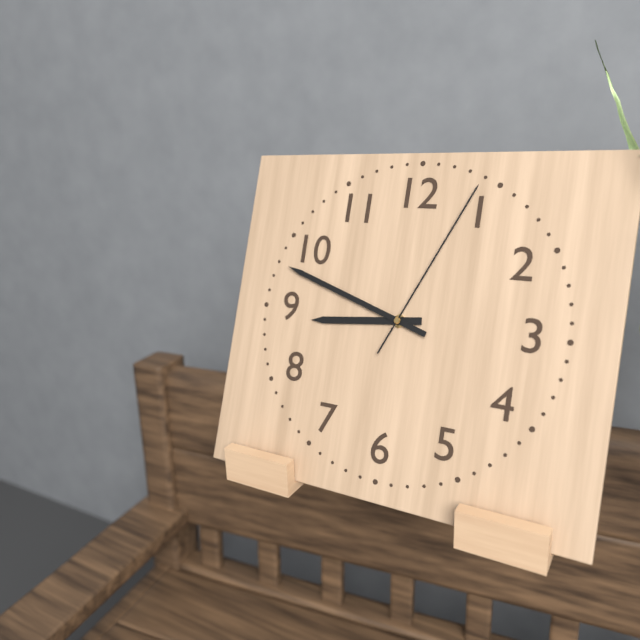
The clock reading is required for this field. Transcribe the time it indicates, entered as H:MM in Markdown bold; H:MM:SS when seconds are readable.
**8:48:04**
